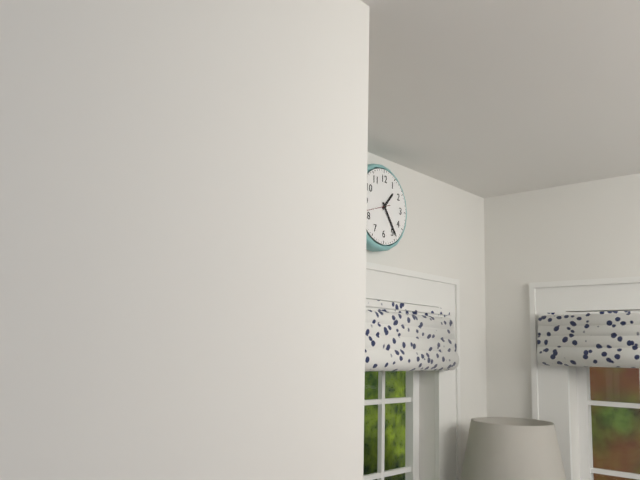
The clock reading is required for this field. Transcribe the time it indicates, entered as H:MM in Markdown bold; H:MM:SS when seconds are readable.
**1:24**
